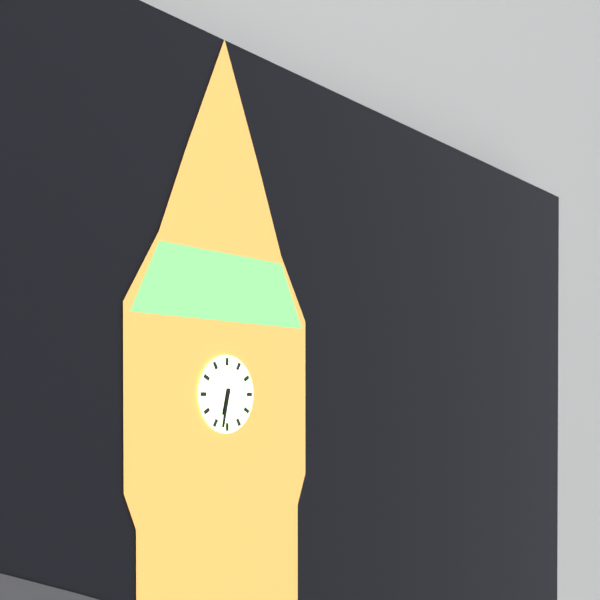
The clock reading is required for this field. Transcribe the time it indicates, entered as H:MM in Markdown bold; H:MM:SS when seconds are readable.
**6:32**
